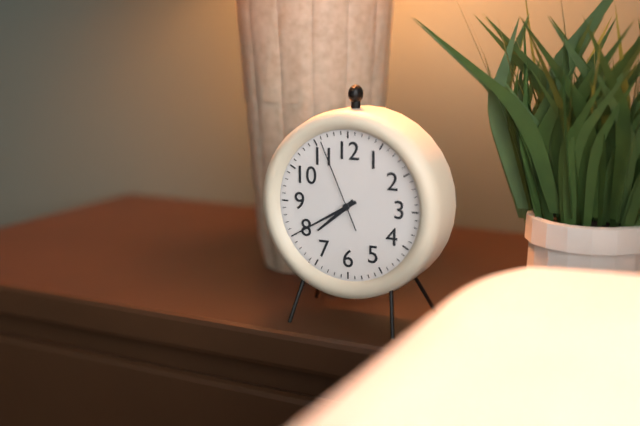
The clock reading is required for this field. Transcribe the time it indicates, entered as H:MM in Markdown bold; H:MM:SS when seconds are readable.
**7:40:56**
